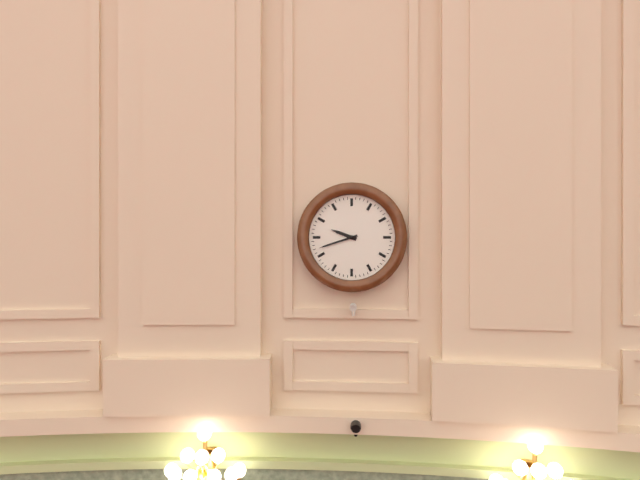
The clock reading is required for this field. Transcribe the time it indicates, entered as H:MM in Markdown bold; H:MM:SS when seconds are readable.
**9:42**
